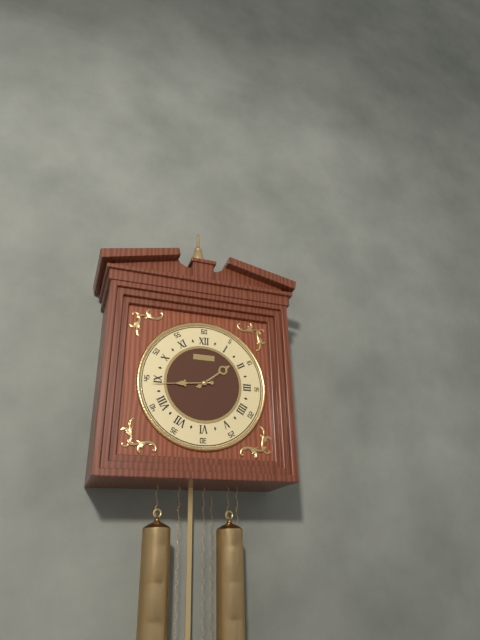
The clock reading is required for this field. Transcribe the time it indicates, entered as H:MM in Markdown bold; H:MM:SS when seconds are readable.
**1:44**
